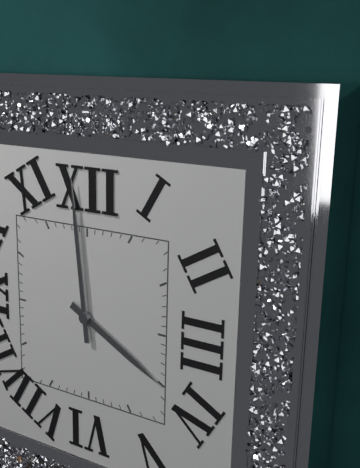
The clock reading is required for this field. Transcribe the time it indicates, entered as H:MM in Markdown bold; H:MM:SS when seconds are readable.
**3:59**
